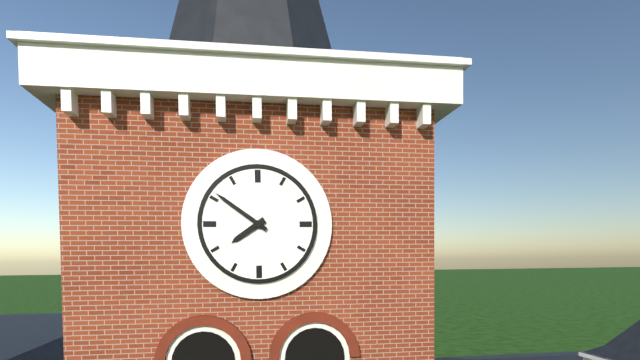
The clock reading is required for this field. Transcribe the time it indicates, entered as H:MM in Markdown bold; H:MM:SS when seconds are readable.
**7:51**
